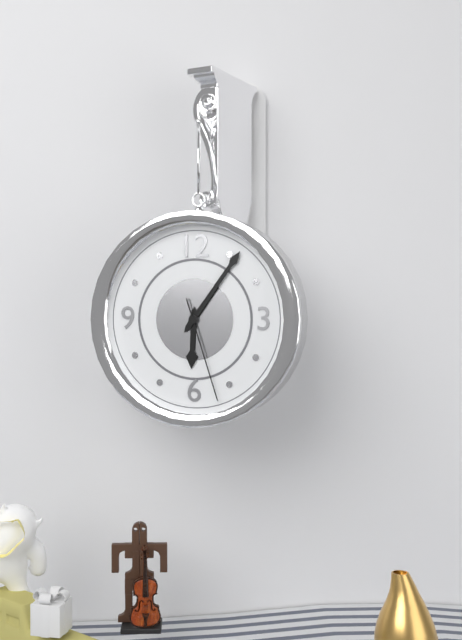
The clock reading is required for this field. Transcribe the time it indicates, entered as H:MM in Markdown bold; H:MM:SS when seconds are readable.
**6:06:27**
